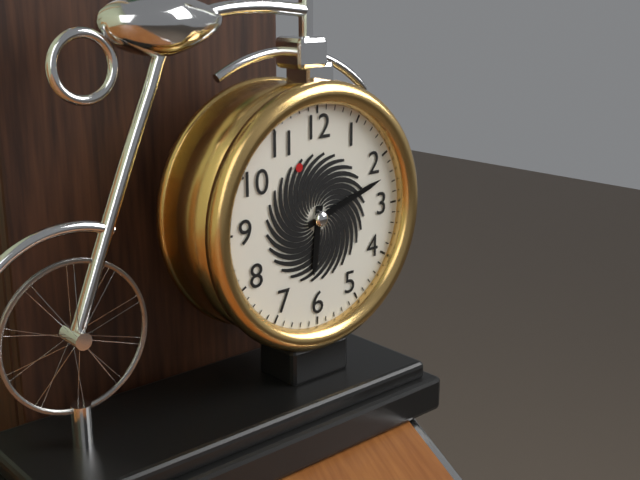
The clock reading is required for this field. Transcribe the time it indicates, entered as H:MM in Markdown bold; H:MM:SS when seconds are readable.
**6:12**
